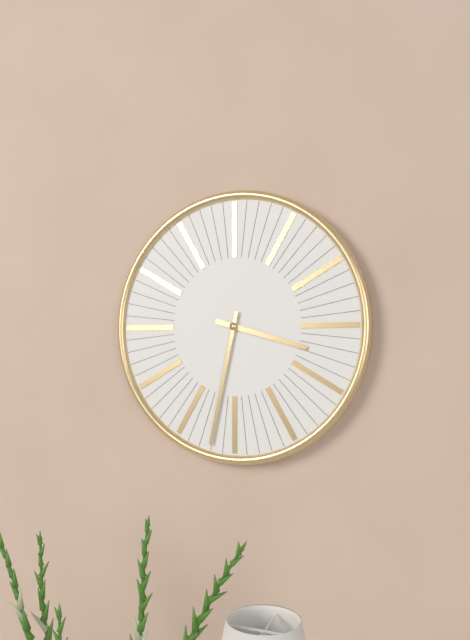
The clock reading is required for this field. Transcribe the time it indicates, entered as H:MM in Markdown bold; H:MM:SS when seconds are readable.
**3:32**
